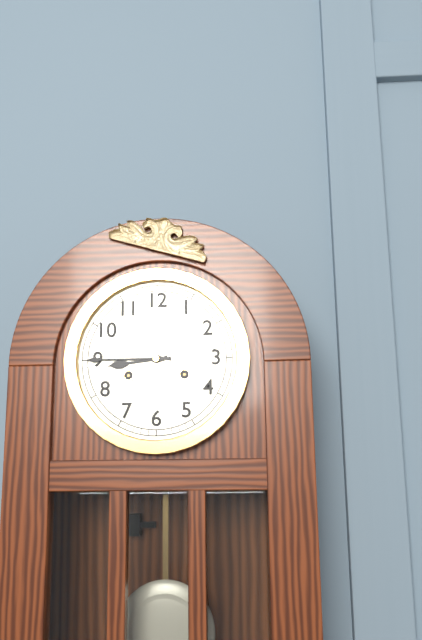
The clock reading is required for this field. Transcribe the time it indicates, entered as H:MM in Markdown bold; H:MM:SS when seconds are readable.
**8:45**
